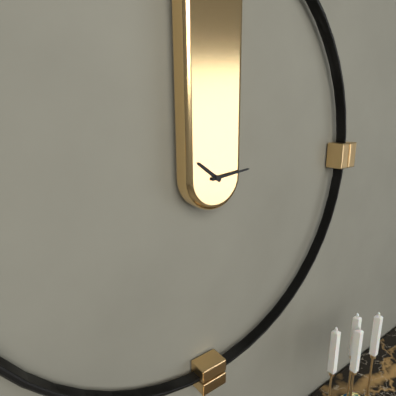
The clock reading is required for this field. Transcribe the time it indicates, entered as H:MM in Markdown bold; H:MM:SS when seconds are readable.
**10:14**
